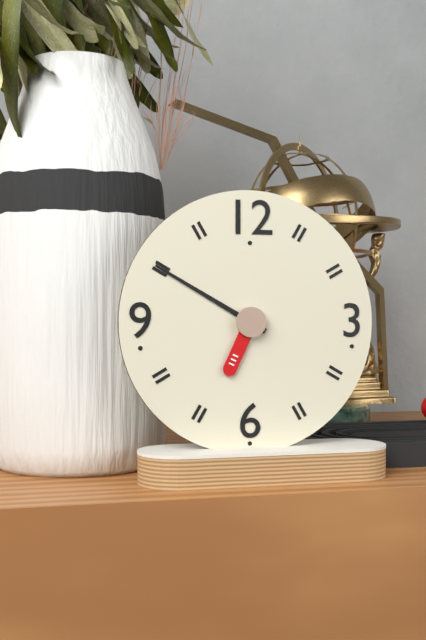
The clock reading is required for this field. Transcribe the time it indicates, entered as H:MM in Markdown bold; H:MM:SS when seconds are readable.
**6:50**
